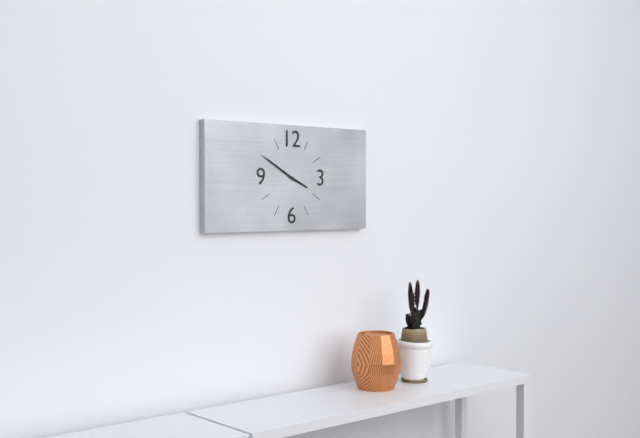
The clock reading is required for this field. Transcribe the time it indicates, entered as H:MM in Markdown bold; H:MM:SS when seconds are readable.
**3:50**
